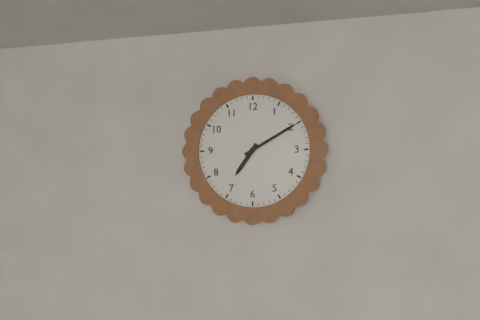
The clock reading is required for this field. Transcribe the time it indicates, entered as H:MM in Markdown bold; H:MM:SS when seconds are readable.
**7:10**
